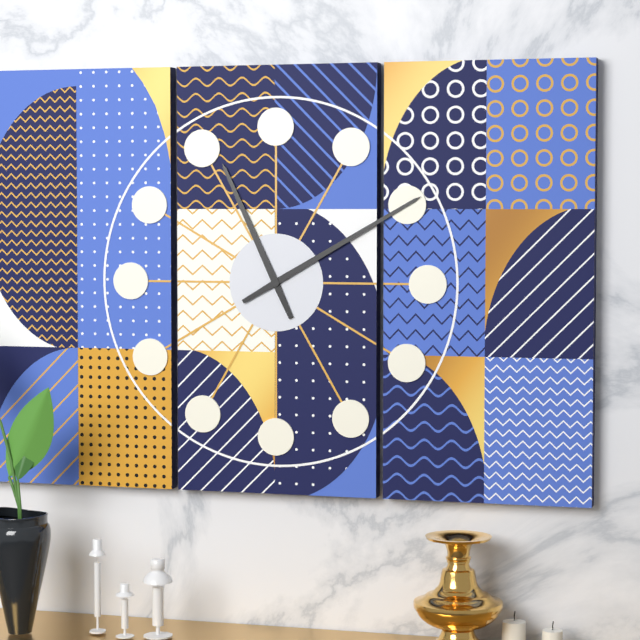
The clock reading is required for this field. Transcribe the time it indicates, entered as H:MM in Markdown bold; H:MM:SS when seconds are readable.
**11:10**
